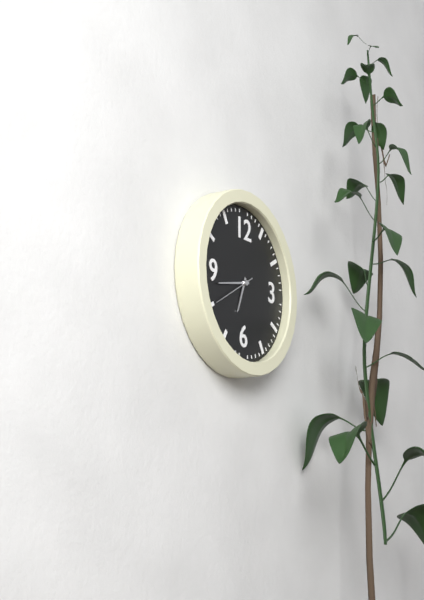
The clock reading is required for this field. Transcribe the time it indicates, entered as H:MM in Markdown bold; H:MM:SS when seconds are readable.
**6:43**
